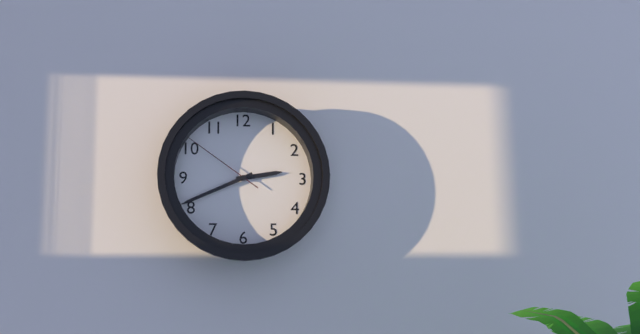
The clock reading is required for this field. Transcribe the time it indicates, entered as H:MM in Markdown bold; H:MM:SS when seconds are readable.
**2:41:51**
